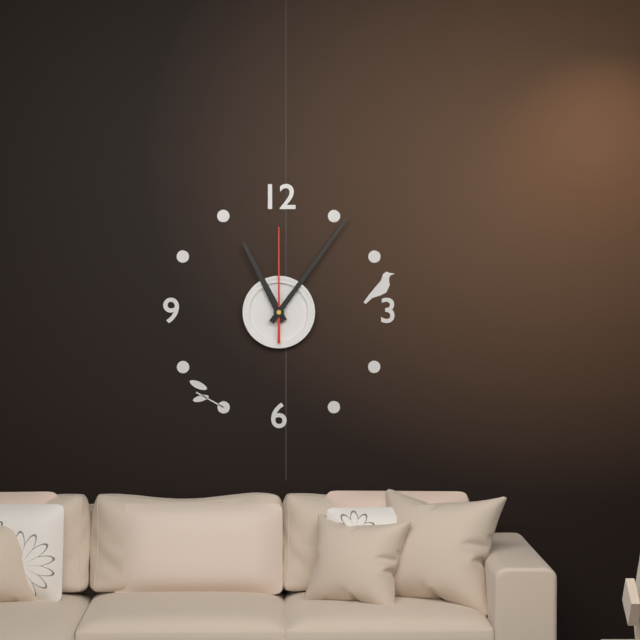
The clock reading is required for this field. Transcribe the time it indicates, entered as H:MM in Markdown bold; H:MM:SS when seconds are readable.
**11:06:00**
